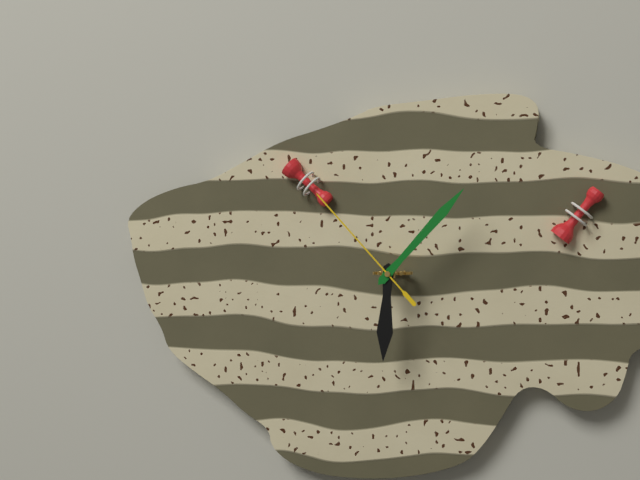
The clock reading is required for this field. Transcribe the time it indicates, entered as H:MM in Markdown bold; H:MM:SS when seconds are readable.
**6:07:53**
